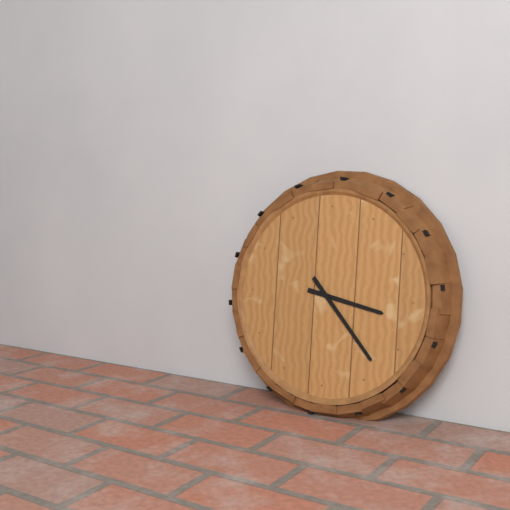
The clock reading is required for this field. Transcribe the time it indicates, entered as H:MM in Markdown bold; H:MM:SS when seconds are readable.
**3:23**
